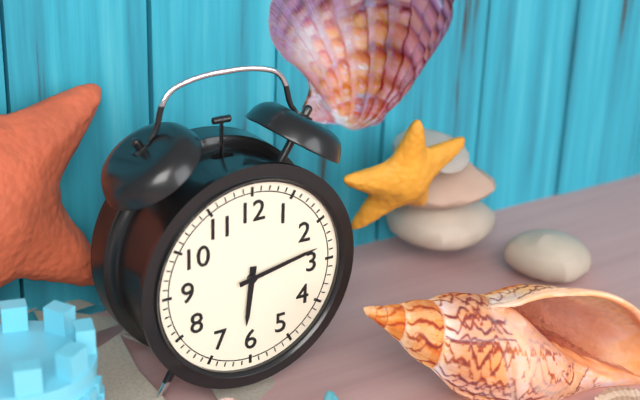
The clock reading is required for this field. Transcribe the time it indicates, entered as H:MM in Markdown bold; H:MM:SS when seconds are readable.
**6:13**
